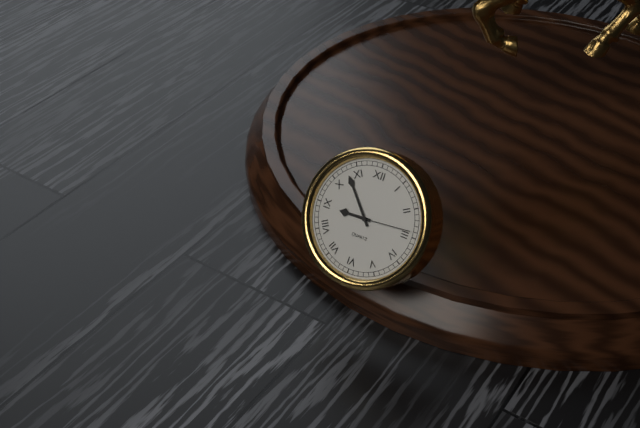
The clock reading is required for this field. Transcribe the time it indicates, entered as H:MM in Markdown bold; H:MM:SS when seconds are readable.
**8:53:14**
